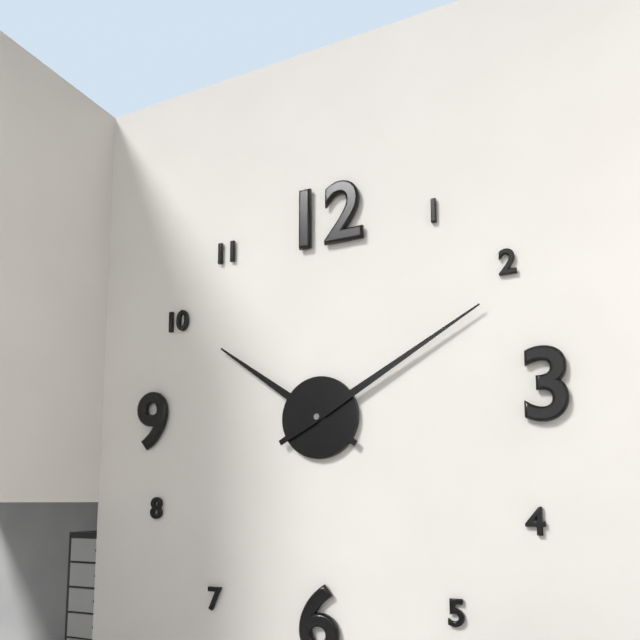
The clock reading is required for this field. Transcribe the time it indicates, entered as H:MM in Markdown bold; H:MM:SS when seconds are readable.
**10:10**
